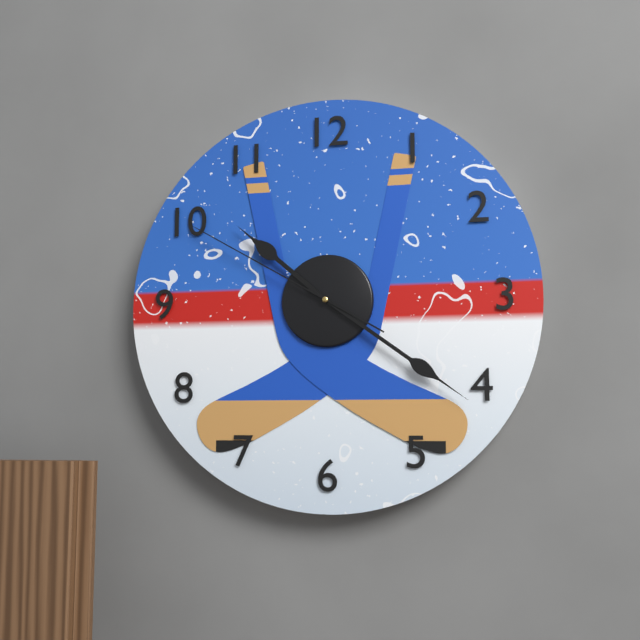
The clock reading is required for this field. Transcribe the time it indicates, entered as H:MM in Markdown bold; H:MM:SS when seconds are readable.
**10:21:50**
